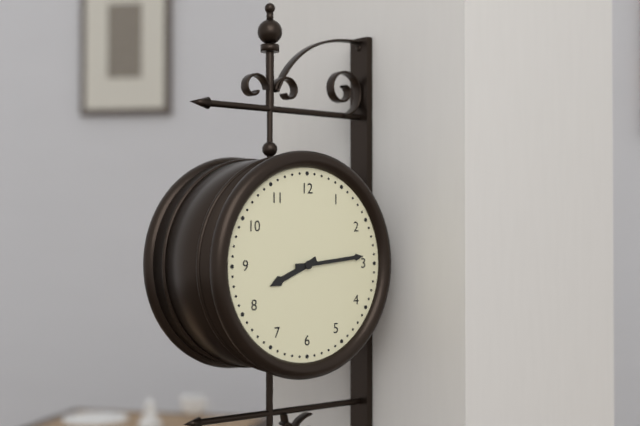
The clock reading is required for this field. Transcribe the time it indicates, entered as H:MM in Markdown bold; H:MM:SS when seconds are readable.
**8:14**
